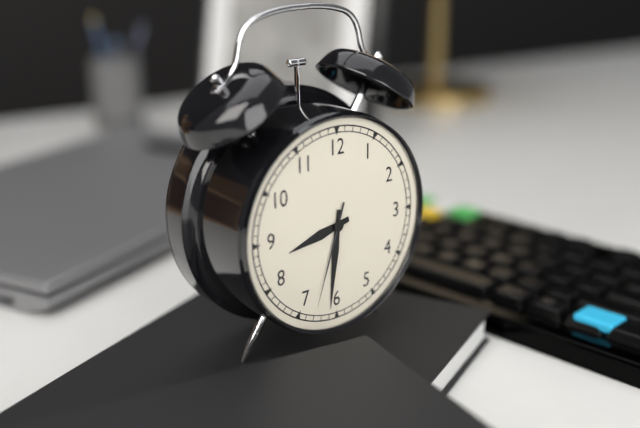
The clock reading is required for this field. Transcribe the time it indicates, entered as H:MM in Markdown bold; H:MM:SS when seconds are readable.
**8:31:33**
